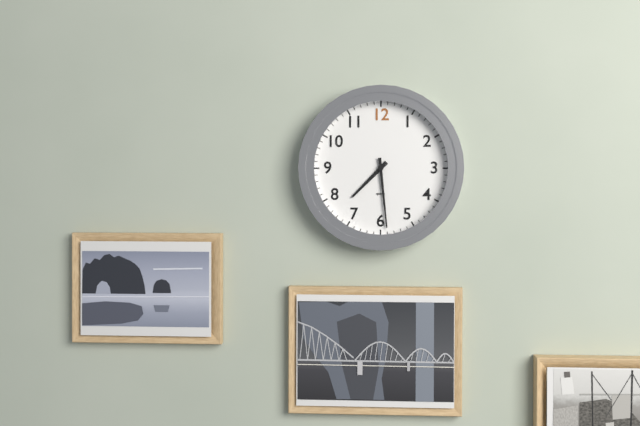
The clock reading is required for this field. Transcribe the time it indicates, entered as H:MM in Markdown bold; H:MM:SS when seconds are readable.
**7:29**
